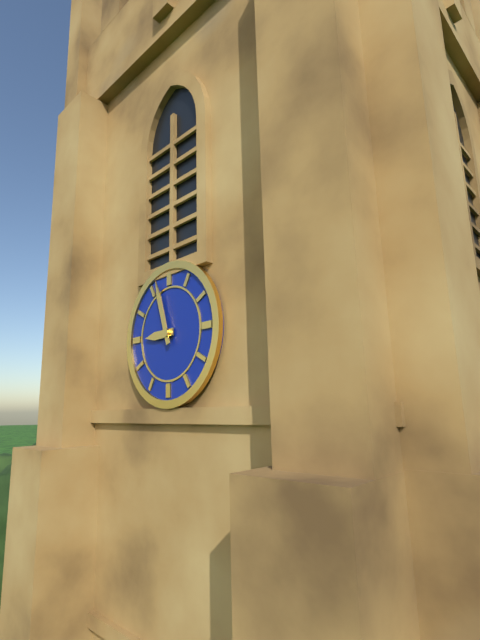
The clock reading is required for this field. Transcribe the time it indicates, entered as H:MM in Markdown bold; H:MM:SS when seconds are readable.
**8:57**
